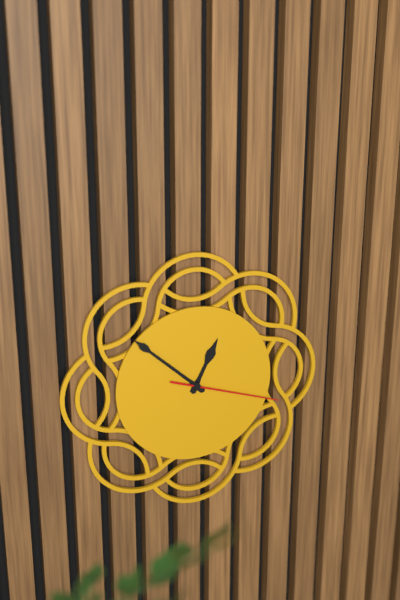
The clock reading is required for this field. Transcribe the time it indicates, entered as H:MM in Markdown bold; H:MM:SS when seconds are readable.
**12:52:18**
